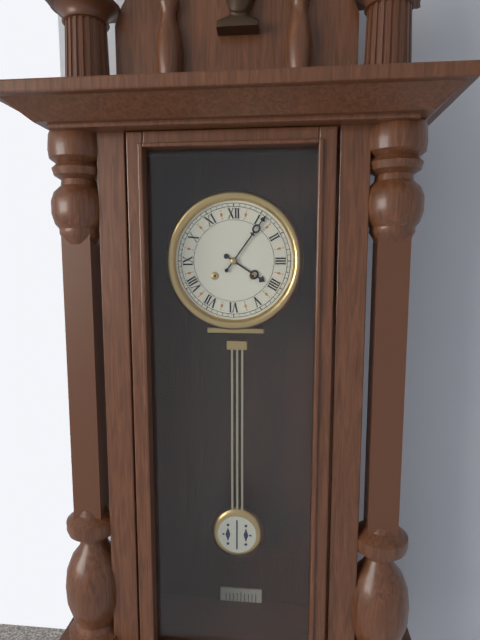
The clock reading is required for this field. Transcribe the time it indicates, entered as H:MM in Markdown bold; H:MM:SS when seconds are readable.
**4:06**
